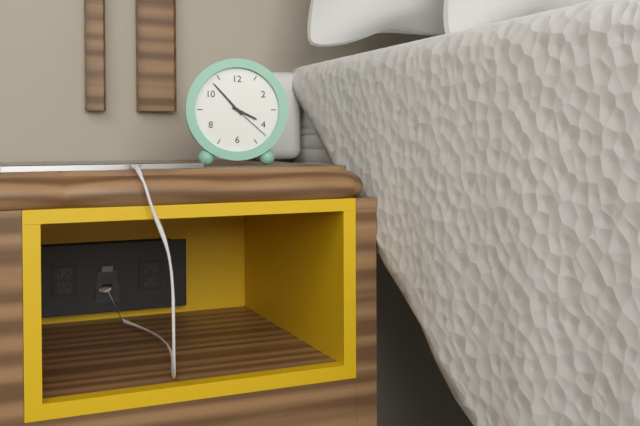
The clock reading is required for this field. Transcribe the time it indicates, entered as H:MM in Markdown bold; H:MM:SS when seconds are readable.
**3:53**
